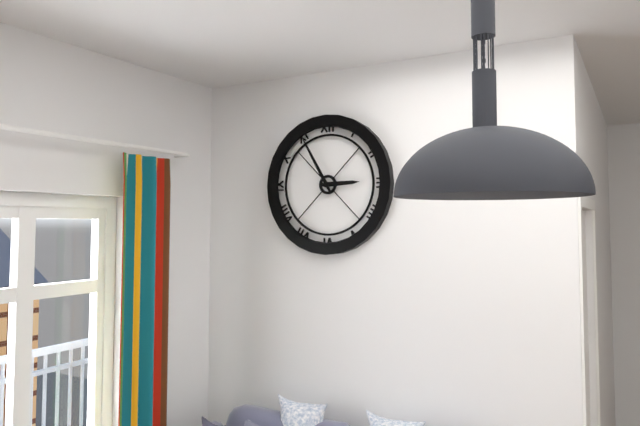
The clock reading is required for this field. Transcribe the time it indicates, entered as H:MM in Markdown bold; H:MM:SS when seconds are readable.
**2:55**
